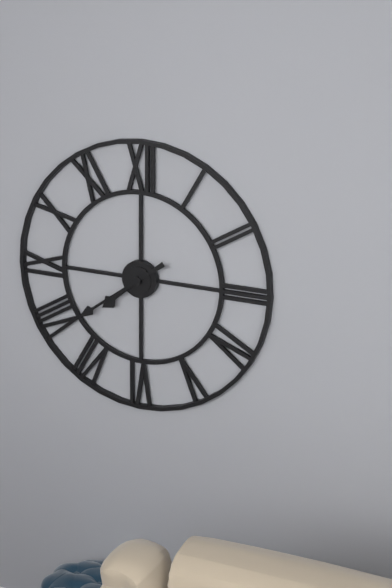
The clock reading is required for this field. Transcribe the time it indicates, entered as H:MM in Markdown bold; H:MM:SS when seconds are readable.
**7:39**
